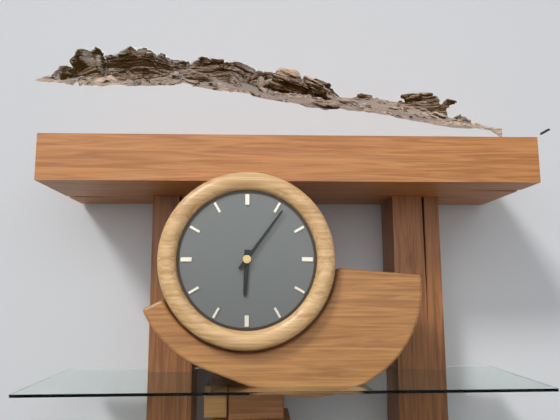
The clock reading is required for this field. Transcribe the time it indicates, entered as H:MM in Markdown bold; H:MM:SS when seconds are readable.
**6:06**
